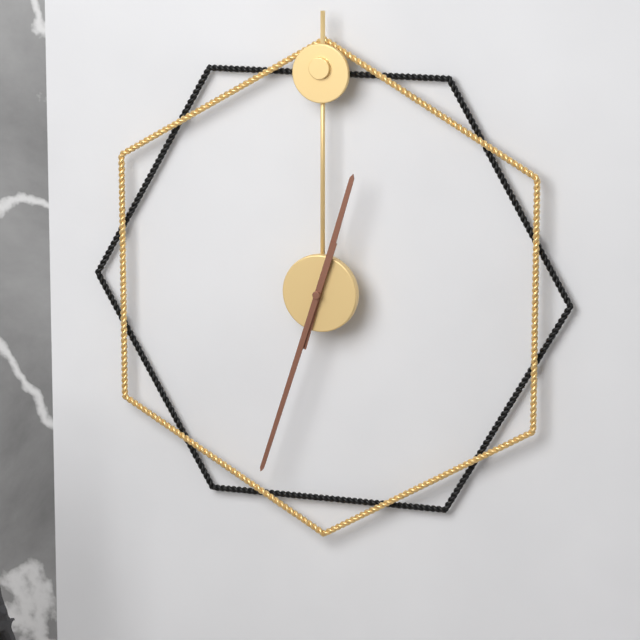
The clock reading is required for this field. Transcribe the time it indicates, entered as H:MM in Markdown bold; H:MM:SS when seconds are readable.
**12:33**
